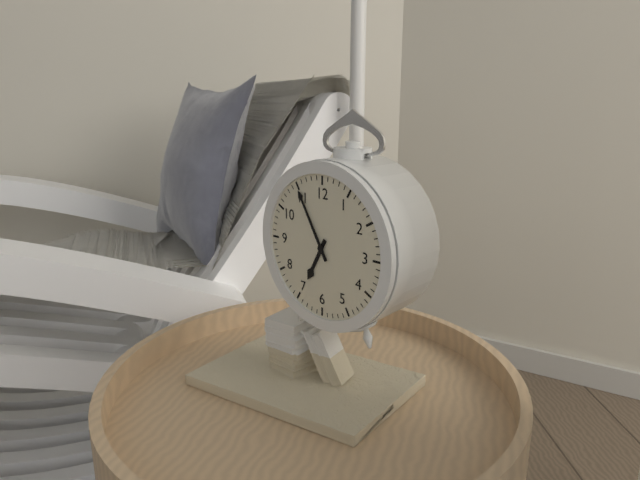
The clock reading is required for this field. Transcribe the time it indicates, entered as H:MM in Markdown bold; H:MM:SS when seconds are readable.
**6:55**
